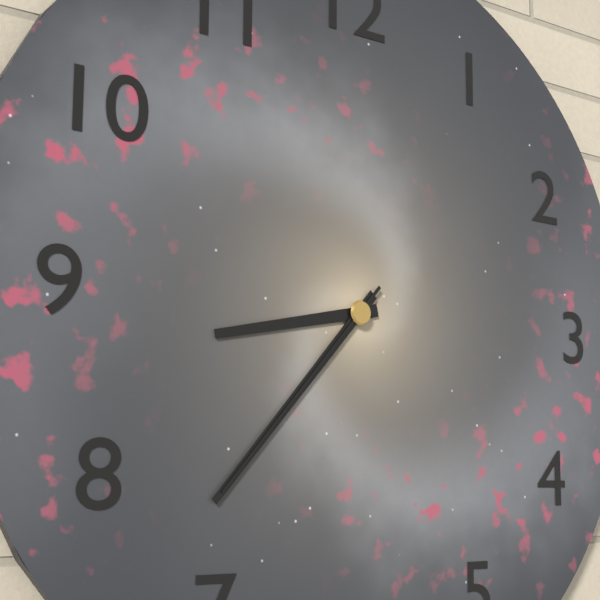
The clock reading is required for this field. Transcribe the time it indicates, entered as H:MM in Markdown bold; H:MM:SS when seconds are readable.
**8:37:37**
